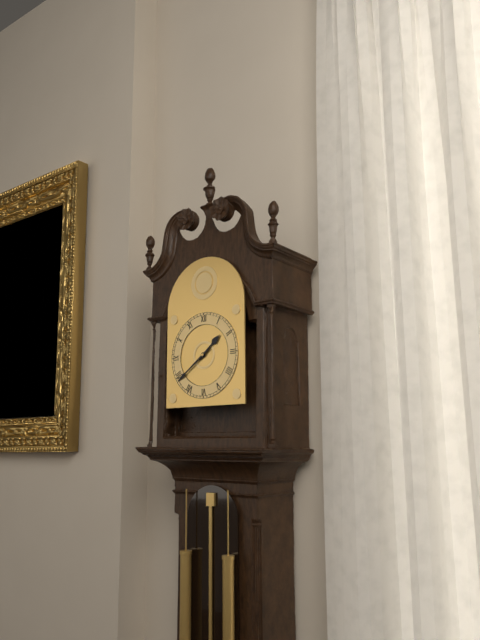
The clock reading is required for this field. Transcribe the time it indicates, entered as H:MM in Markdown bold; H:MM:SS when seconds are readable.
**1:39**
